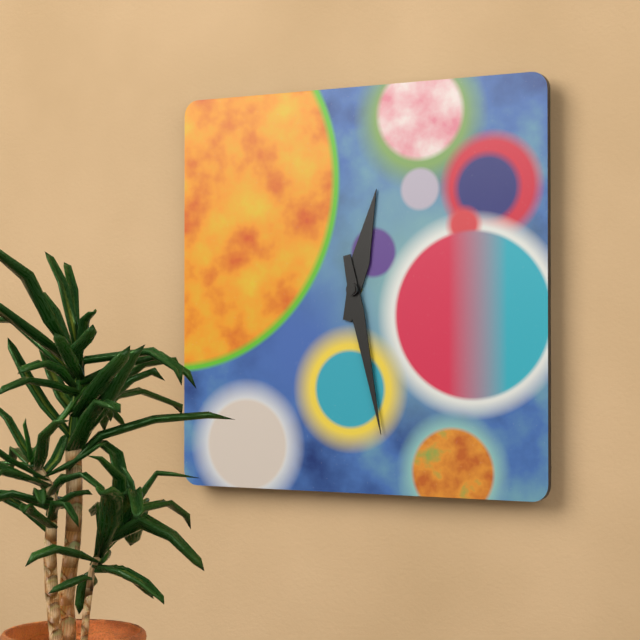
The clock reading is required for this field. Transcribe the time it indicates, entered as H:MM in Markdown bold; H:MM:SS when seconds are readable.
**12:28**
